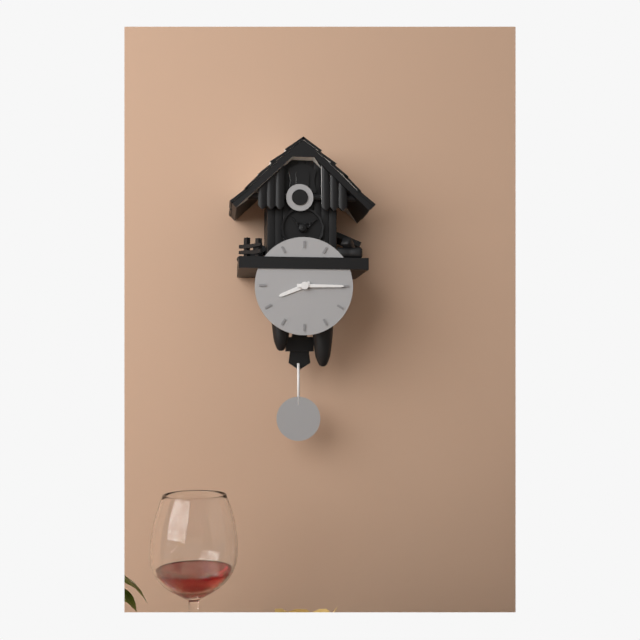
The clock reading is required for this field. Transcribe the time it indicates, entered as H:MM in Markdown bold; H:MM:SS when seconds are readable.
**8:15**
